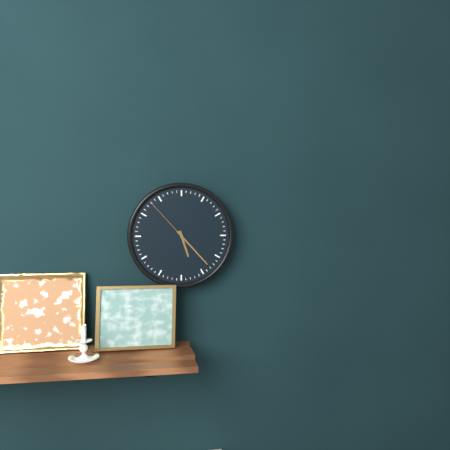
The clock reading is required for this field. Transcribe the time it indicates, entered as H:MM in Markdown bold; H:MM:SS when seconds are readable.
**5:23:53**
